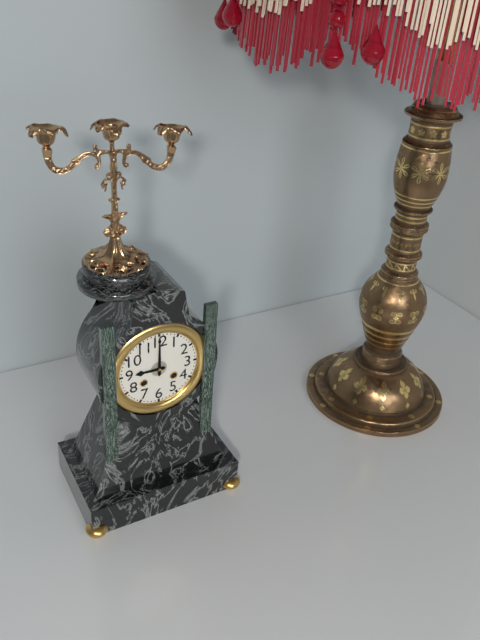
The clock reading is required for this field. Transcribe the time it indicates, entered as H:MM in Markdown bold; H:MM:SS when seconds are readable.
**9:00**
